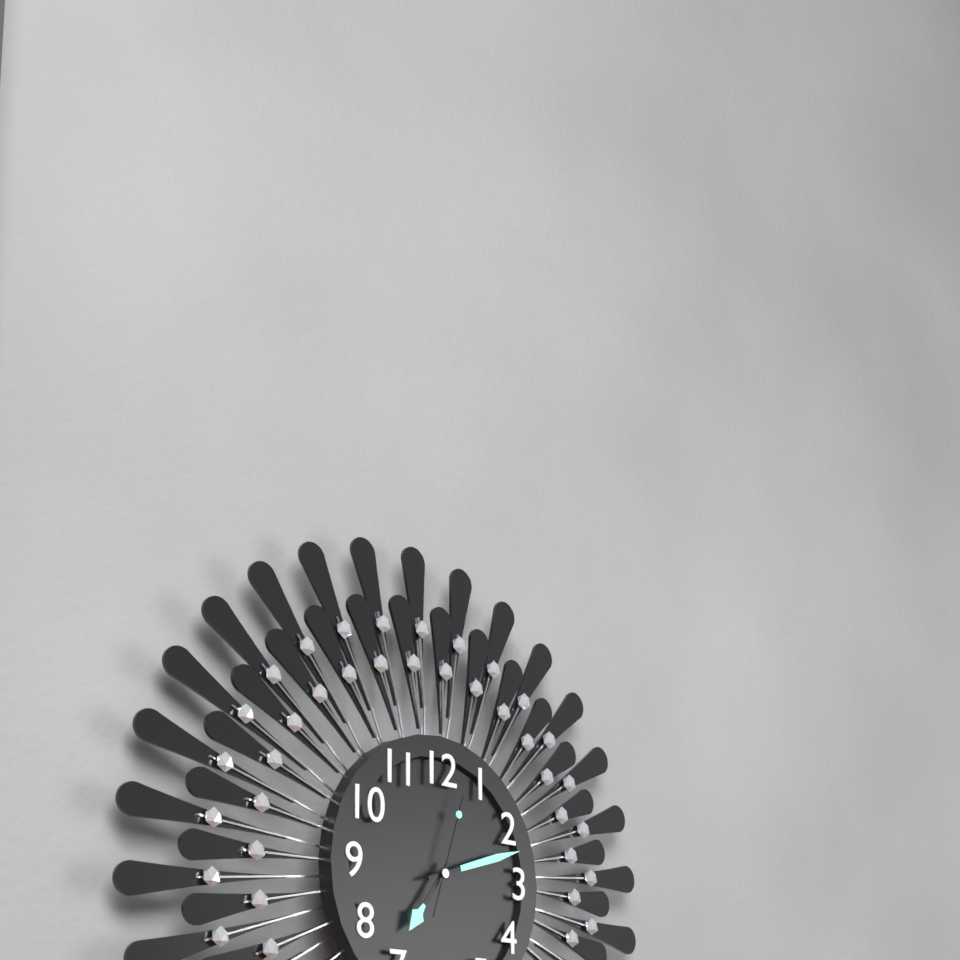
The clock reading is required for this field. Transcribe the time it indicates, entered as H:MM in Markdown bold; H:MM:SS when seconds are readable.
**7:12:03**
